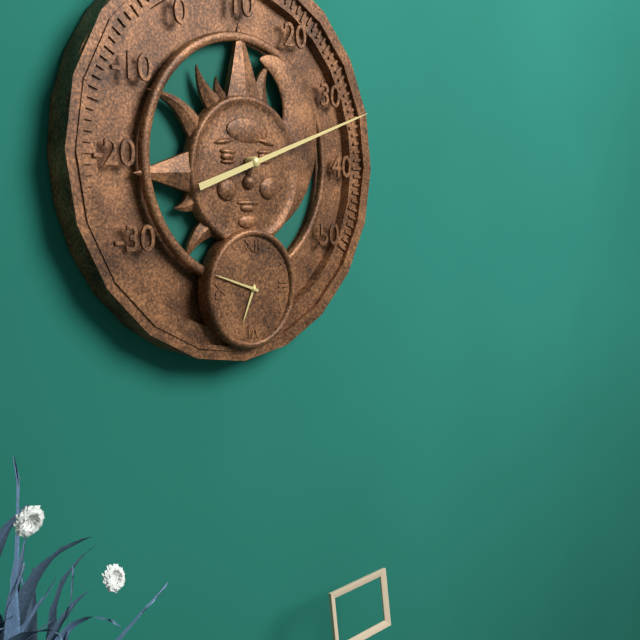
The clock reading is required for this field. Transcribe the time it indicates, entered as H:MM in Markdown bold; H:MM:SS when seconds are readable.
**6:48**
